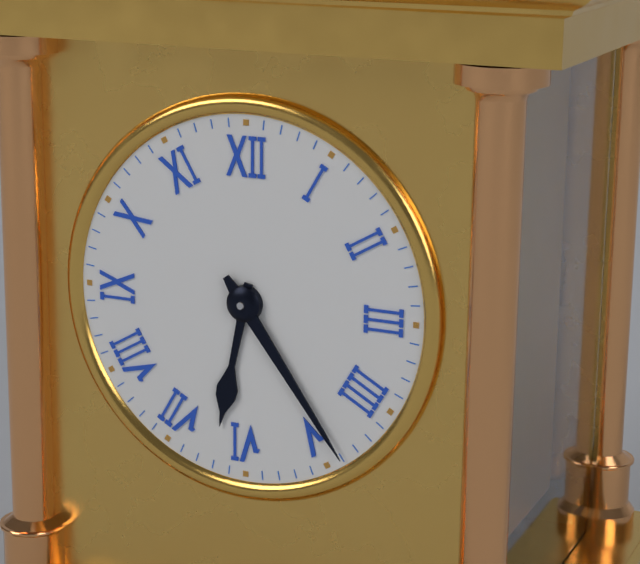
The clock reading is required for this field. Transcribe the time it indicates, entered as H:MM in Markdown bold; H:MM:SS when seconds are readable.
**6:24**
